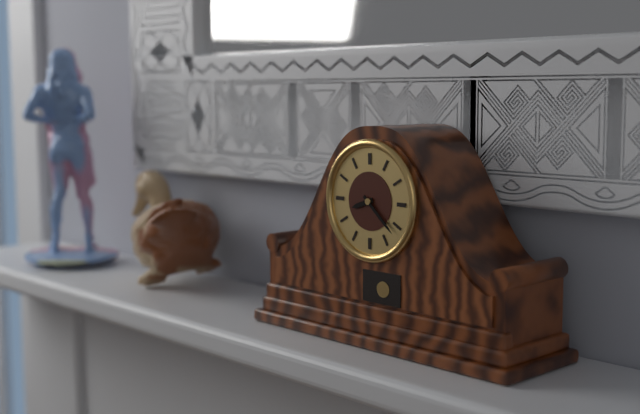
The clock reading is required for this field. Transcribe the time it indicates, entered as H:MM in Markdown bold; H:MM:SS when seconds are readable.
**8:22**
